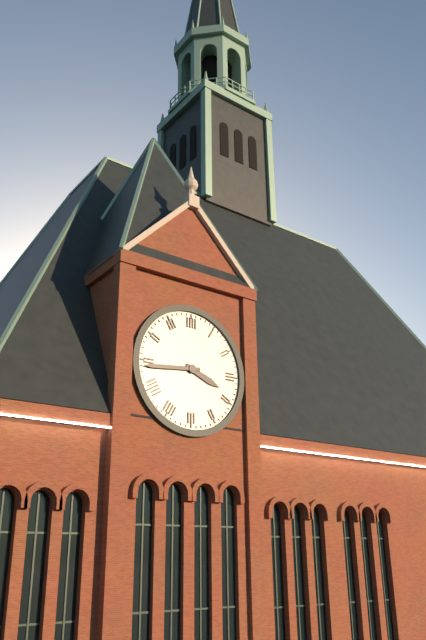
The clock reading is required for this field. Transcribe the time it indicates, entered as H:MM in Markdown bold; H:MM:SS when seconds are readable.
**3:44**
